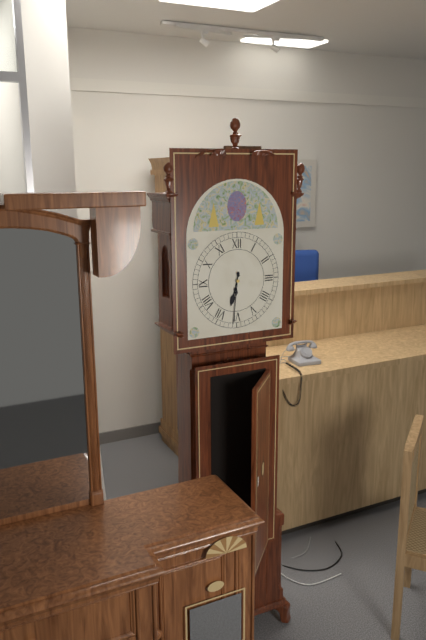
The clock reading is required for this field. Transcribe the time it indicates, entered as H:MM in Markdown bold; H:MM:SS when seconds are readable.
**6:31**
